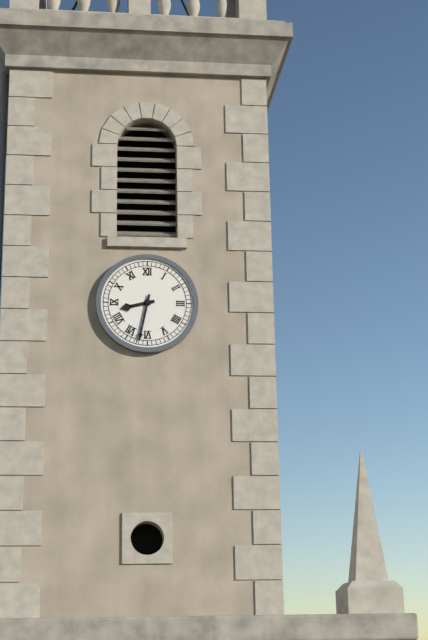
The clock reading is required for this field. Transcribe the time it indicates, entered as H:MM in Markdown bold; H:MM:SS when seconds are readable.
**8:32**
